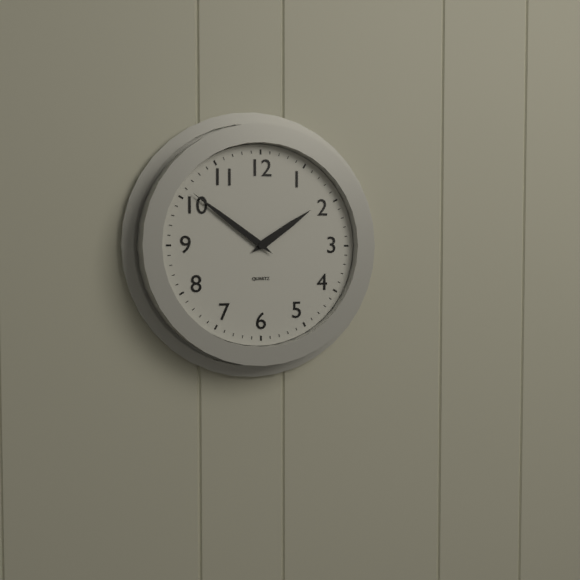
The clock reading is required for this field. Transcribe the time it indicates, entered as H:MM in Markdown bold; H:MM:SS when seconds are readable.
**1:51**
